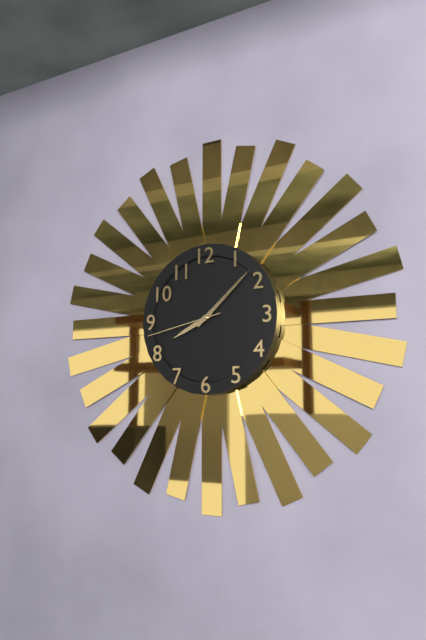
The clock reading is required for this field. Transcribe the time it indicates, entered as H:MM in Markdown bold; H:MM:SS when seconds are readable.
**8:08:43**
